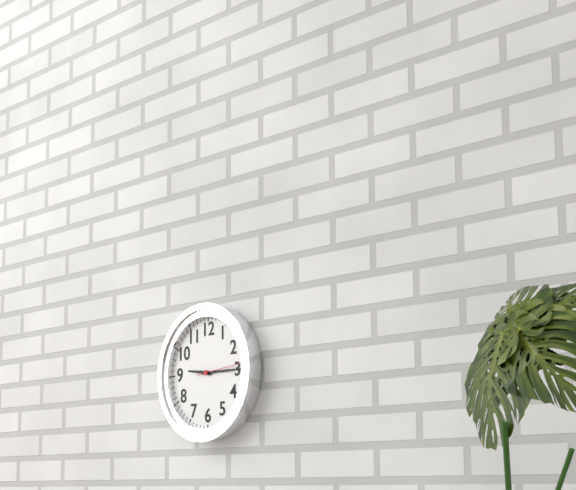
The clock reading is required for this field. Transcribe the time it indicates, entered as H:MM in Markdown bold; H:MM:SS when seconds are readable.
**9:15**
